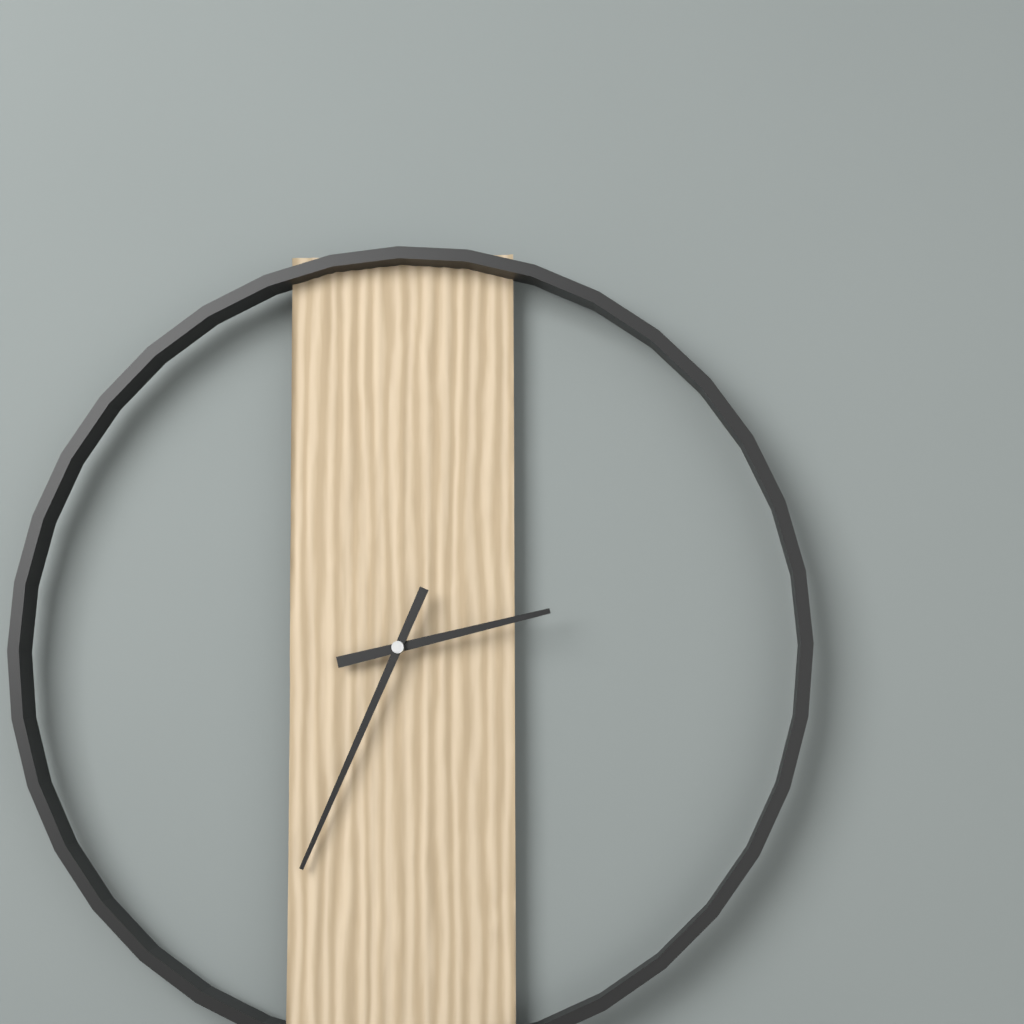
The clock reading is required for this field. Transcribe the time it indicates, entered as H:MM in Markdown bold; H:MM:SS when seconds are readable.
**2:34**
